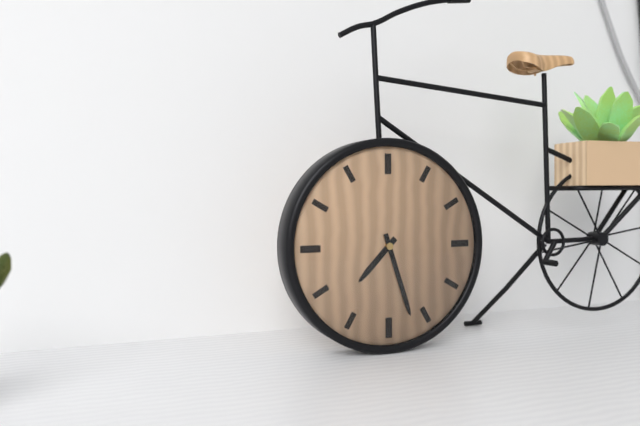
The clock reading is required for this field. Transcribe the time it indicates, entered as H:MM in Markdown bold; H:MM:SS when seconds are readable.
**7:27**
